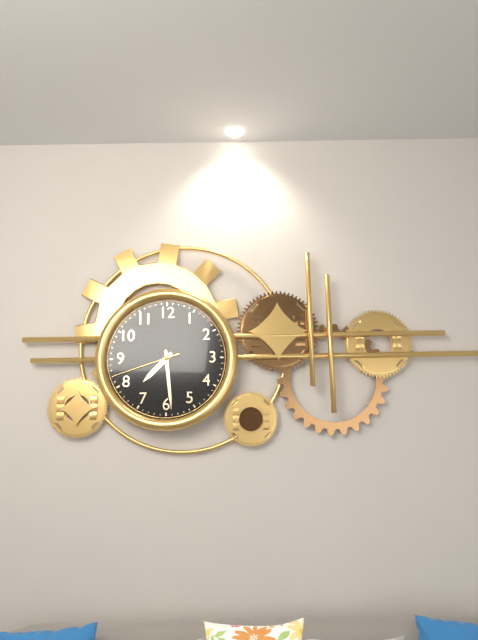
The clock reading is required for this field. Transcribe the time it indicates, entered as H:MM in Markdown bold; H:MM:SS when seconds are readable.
**7:29:42**
